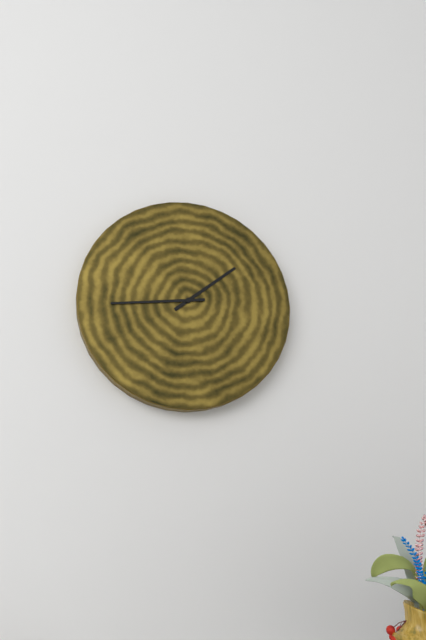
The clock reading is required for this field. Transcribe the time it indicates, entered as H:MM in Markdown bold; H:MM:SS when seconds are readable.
**1:44**
